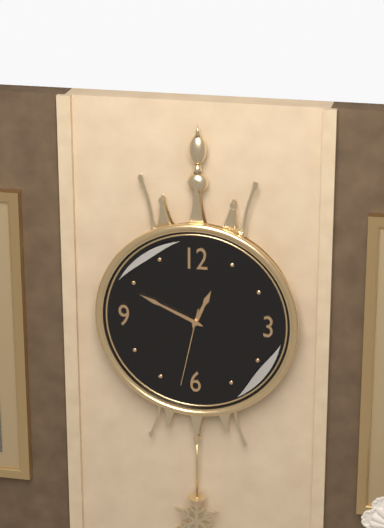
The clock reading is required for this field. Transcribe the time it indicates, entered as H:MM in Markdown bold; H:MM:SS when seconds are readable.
**12:49:32**
